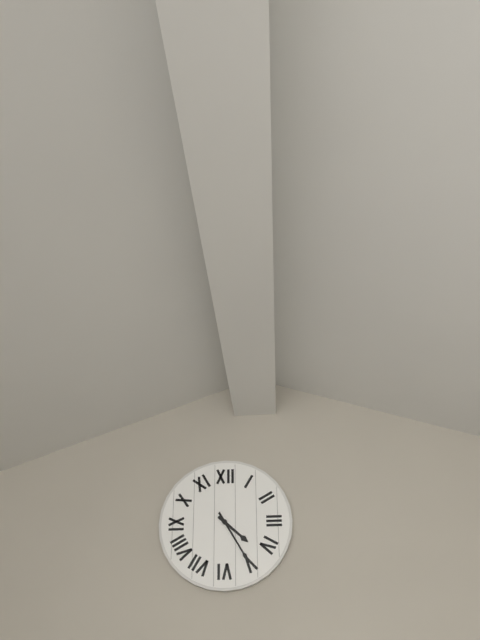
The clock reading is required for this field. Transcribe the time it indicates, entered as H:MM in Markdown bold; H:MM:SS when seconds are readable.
**4:25**
